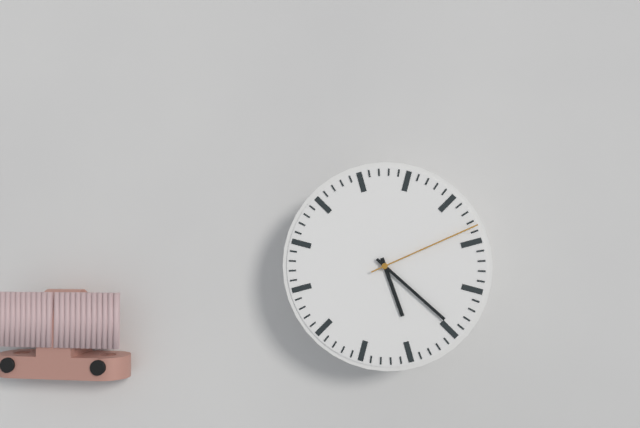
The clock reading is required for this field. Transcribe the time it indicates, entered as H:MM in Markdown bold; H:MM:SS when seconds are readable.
**5:22:11**
